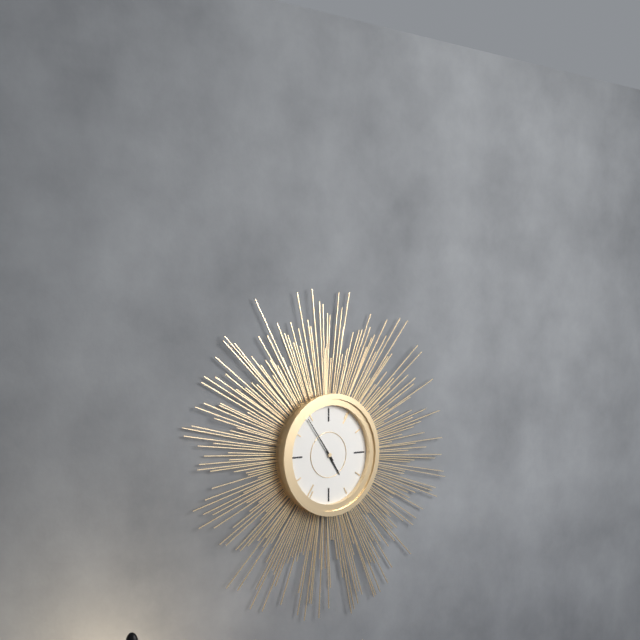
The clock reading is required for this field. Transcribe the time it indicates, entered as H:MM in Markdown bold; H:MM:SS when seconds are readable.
**4:54**
